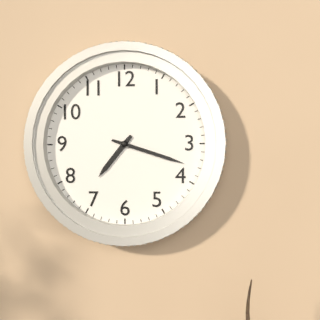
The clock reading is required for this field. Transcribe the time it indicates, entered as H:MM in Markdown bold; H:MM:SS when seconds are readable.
**7:18**
